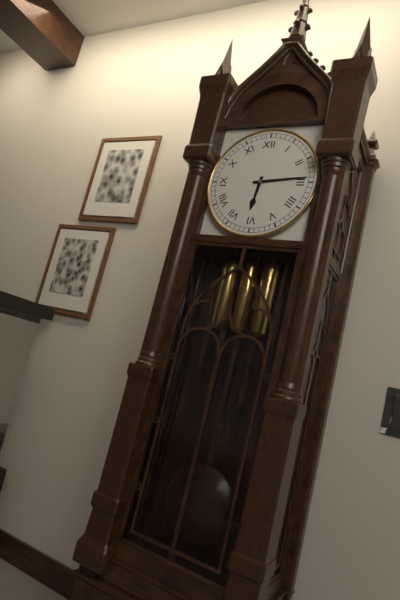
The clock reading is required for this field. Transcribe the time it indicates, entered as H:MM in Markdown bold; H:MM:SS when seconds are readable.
**6:14**
